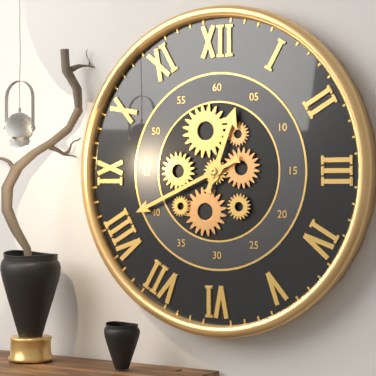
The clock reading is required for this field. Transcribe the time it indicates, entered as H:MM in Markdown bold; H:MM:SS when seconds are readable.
**12:41**
